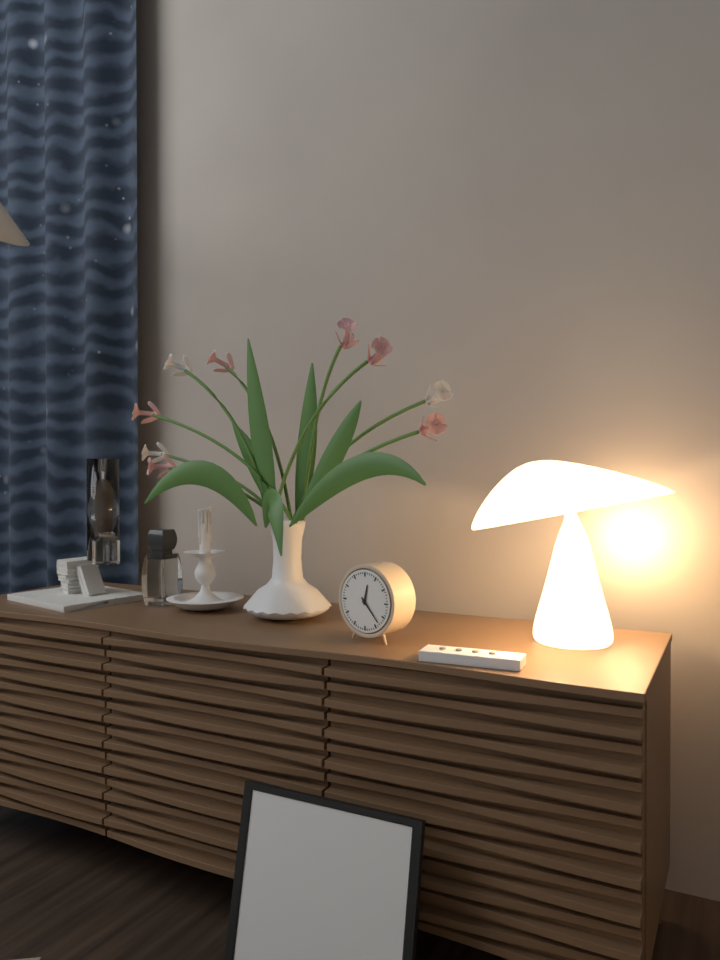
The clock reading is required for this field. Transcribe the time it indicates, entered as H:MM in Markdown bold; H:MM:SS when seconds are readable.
**12:23**
